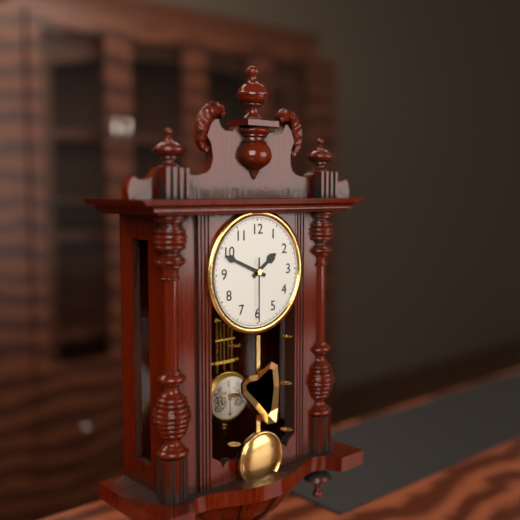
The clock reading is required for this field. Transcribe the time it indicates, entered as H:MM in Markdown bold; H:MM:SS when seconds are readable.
**1:49:30**
